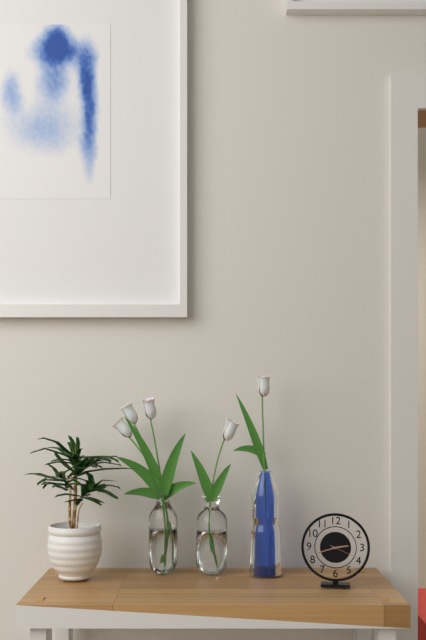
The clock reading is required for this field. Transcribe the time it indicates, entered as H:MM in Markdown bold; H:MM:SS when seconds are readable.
**2:42**
